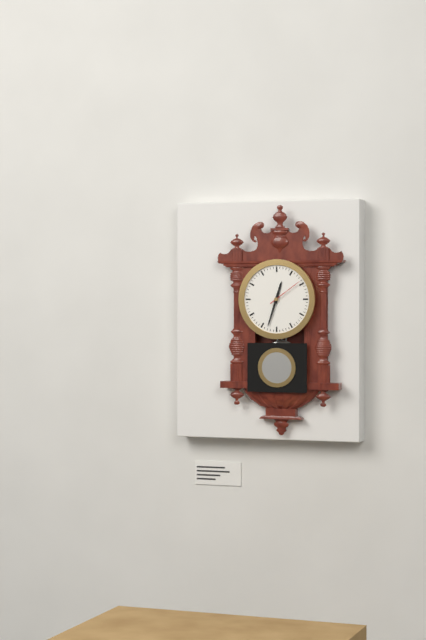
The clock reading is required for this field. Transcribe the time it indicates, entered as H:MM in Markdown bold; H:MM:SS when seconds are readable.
**12:33**
